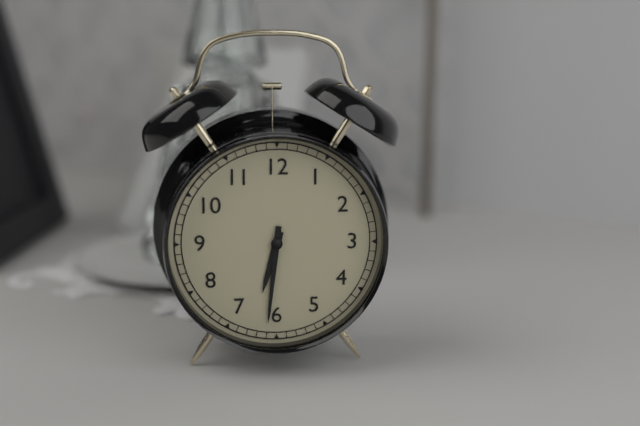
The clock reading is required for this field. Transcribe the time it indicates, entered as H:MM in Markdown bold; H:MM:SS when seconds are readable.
**6:31**
